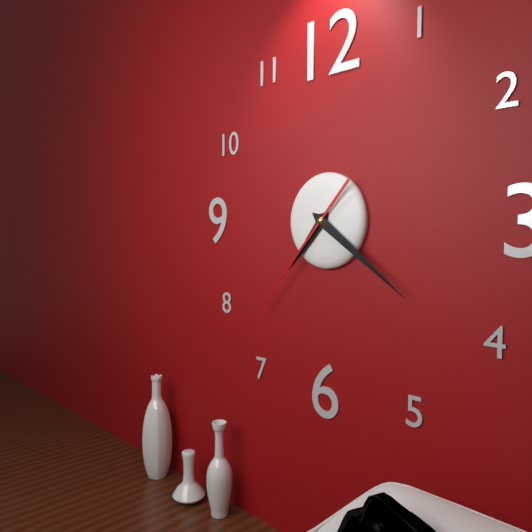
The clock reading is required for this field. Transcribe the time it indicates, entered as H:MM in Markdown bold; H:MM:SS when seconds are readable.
**7:21:37**
